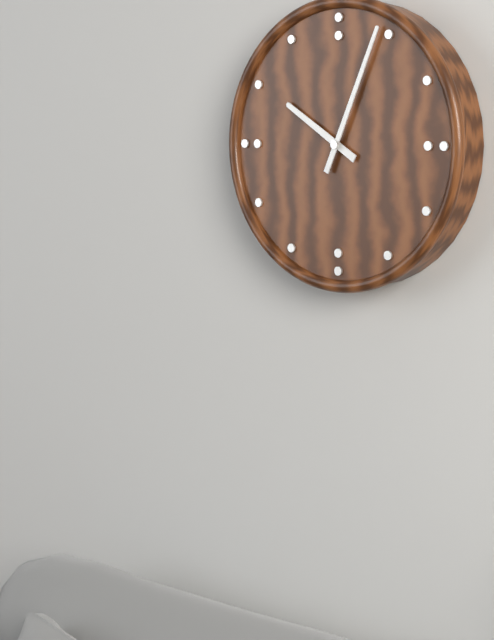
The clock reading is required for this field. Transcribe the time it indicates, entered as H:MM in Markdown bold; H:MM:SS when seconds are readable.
**10:04**
